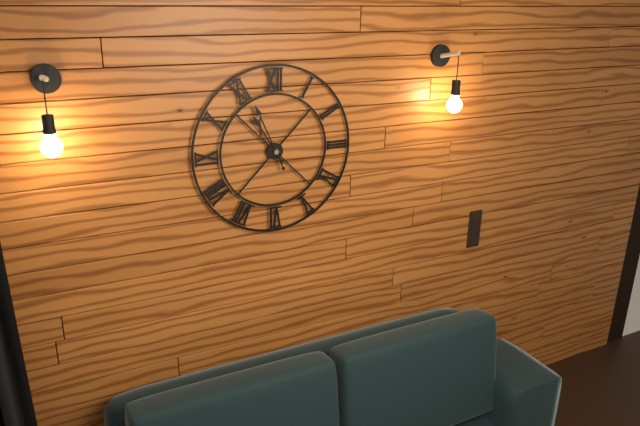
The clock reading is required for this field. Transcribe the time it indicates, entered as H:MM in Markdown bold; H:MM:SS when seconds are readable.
**10:56**
